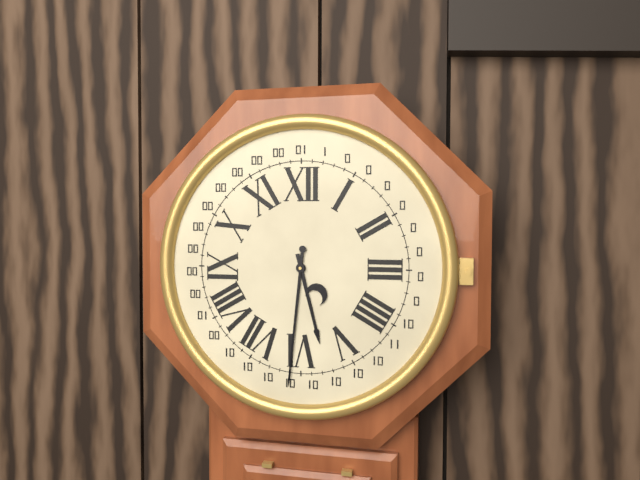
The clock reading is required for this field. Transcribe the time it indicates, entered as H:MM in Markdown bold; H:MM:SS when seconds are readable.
**5:31**
